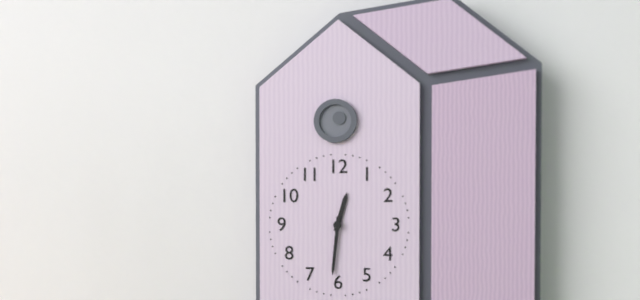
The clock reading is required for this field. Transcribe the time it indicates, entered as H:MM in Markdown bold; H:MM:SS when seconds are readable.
**12:31**
